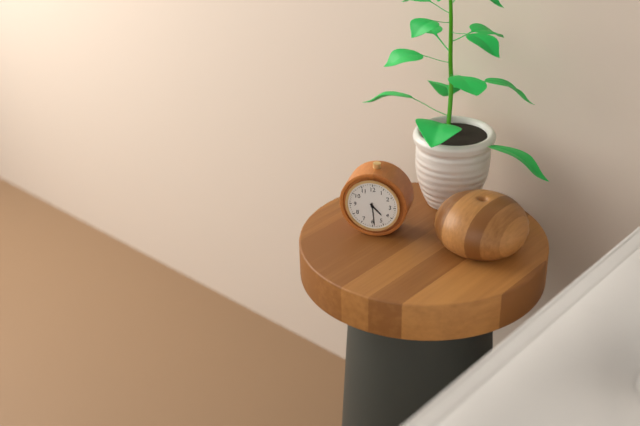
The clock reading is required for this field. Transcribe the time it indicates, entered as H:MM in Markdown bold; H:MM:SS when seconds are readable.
**4:29**
